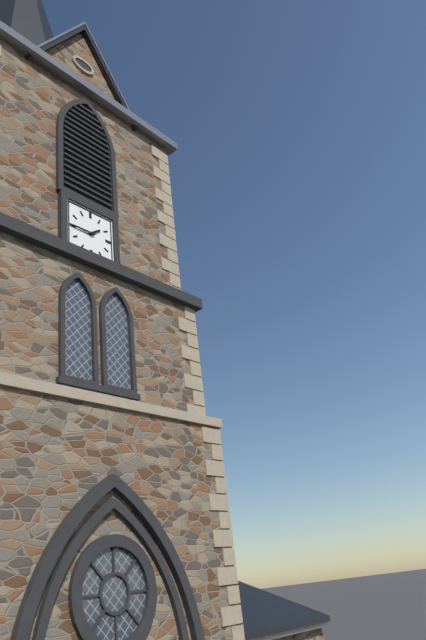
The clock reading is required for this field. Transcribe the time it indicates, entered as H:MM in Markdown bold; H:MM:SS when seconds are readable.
**1:45**
